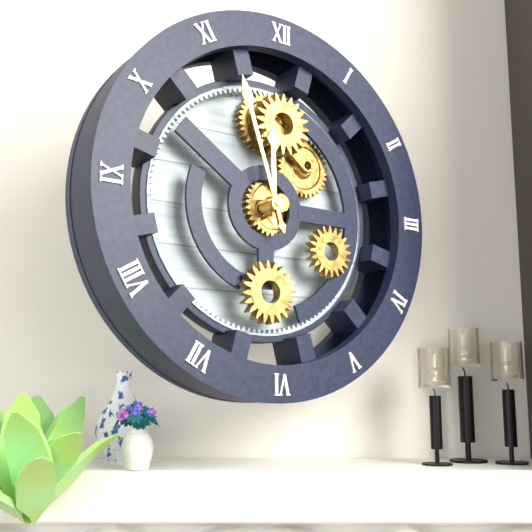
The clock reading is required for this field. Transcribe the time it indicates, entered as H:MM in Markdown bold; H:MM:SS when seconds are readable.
**11:57**
